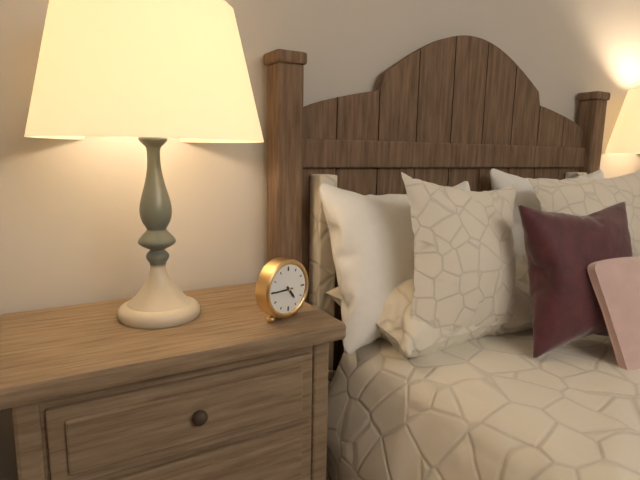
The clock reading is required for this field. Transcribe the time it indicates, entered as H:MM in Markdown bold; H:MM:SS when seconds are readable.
**4:45**
